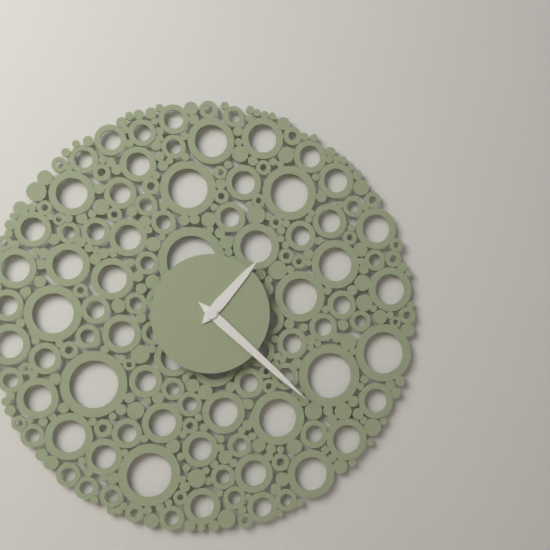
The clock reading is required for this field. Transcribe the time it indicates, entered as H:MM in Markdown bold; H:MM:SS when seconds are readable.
**1:22**
